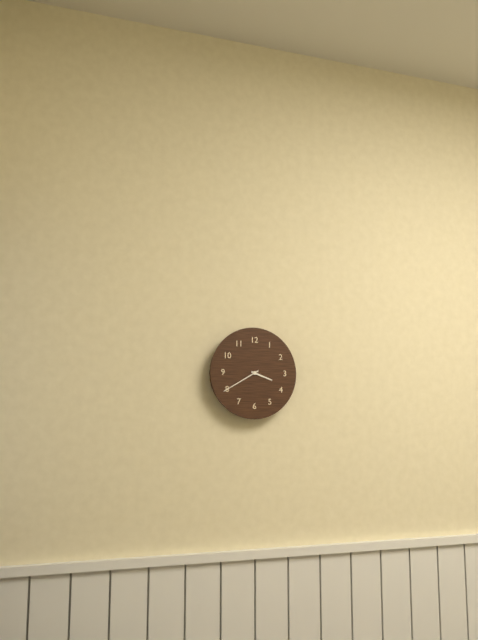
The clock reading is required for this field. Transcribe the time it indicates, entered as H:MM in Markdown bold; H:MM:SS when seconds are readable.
**3:40**
